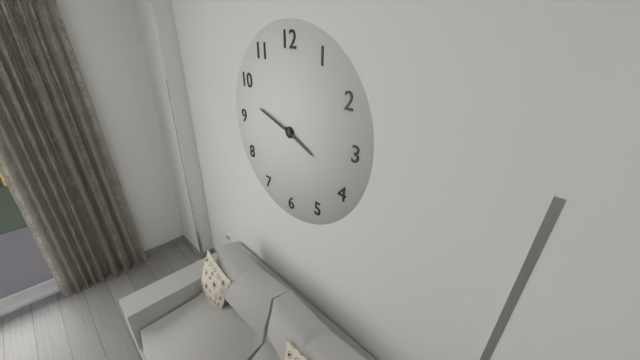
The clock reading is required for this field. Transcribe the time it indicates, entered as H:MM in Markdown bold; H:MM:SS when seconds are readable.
**3:48**
